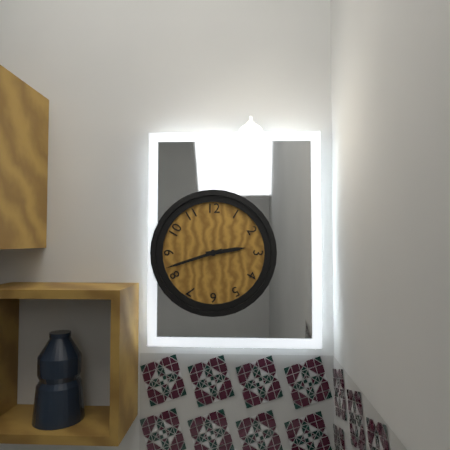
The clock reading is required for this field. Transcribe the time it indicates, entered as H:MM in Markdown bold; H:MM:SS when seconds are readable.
**2:42**
